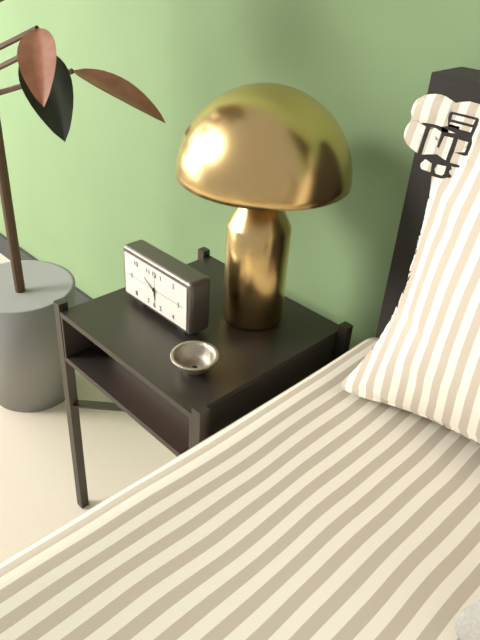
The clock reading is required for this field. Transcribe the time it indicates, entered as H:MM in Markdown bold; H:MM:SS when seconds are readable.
**5:50**
